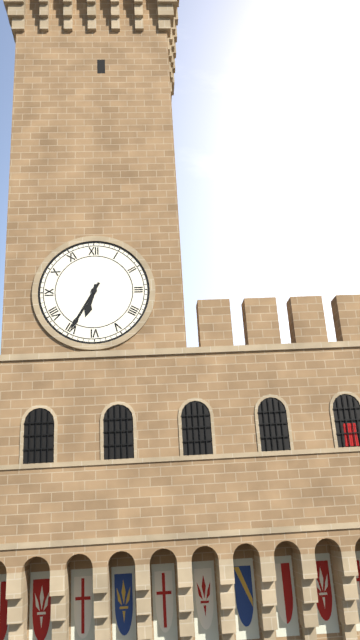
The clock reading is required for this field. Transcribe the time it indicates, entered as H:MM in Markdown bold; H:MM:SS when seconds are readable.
**6:35**
